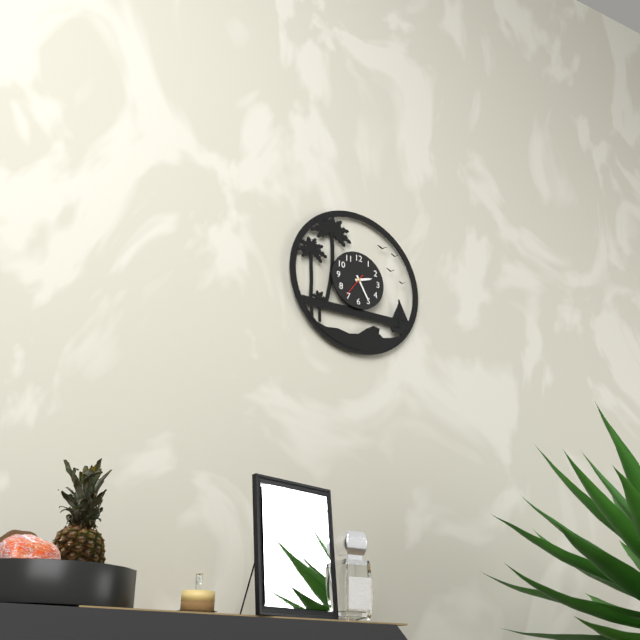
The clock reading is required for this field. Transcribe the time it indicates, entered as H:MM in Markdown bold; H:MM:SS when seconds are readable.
**2:25**
